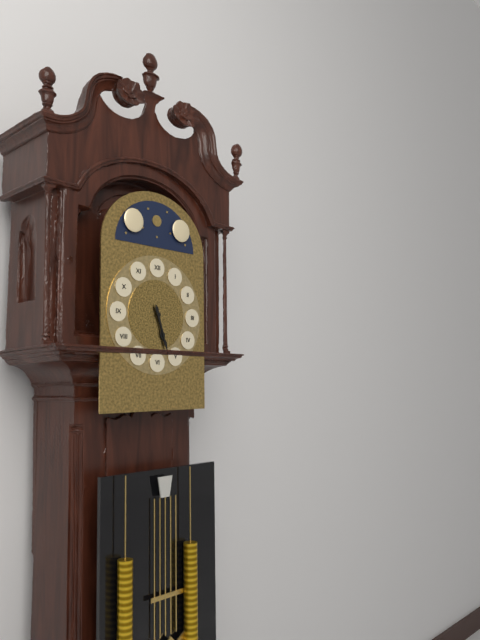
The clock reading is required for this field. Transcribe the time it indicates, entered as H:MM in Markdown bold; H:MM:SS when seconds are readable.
**5:27**
